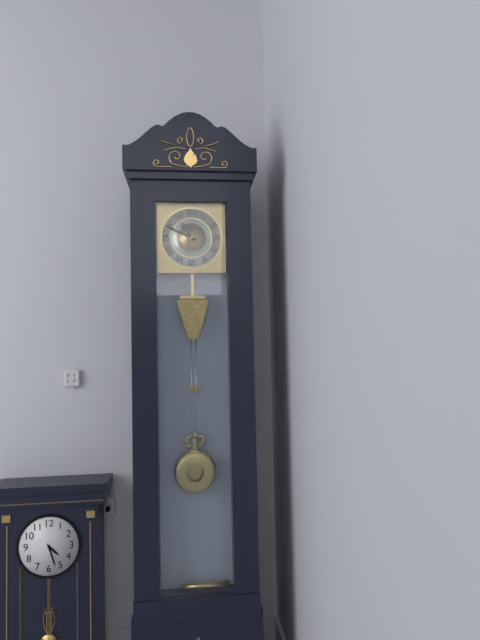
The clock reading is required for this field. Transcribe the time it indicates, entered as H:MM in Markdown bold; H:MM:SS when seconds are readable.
**10:49**
